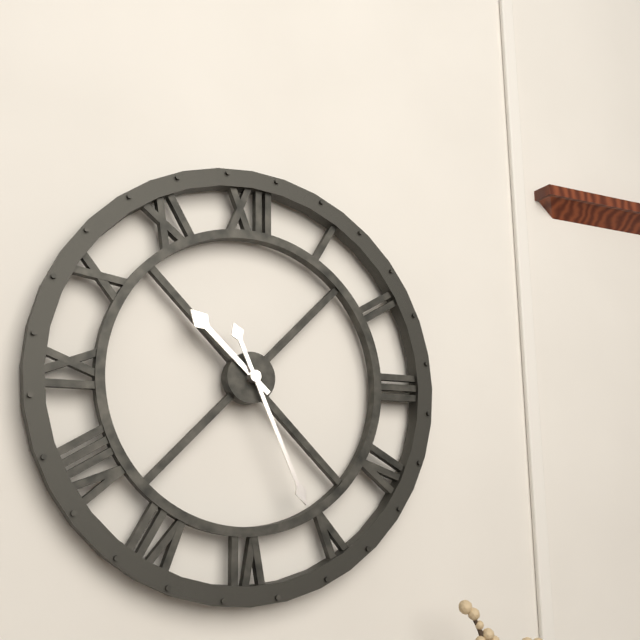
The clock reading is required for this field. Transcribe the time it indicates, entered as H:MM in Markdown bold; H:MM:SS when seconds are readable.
**10:26**
